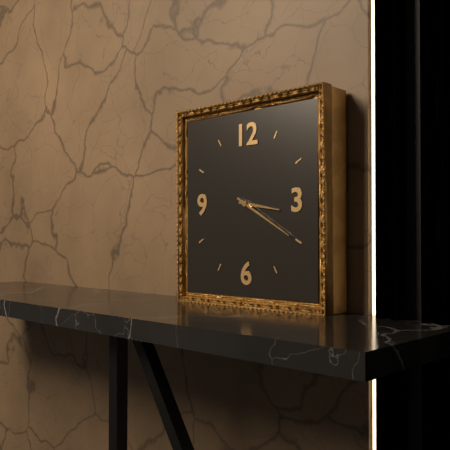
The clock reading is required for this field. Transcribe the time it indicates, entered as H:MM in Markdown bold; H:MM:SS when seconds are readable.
**3:20**
